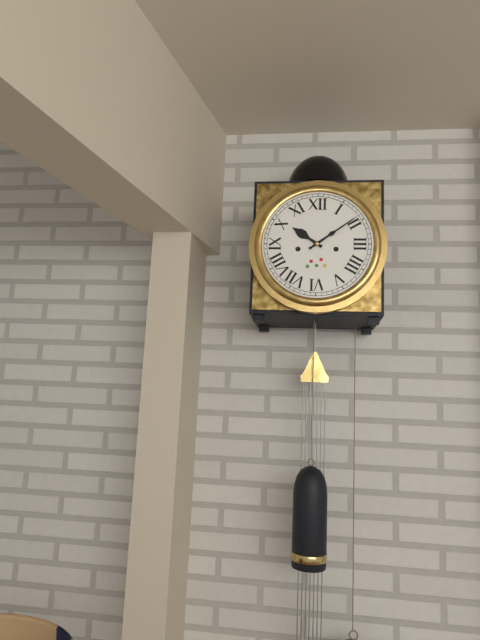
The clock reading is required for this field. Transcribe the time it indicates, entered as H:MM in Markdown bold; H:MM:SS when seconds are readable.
**10:09**
